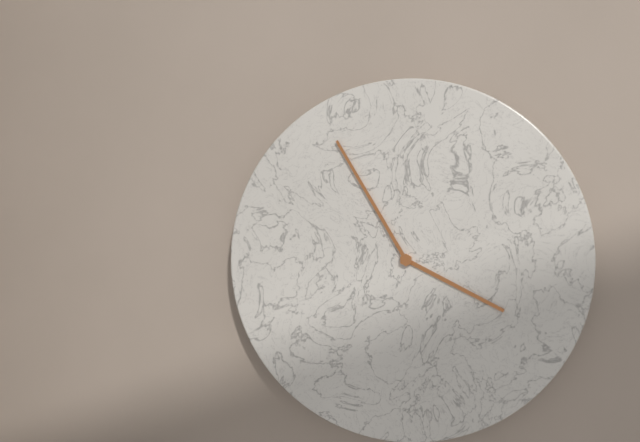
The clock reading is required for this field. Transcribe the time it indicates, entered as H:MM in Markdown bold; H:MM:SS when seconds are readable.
**3:55**
